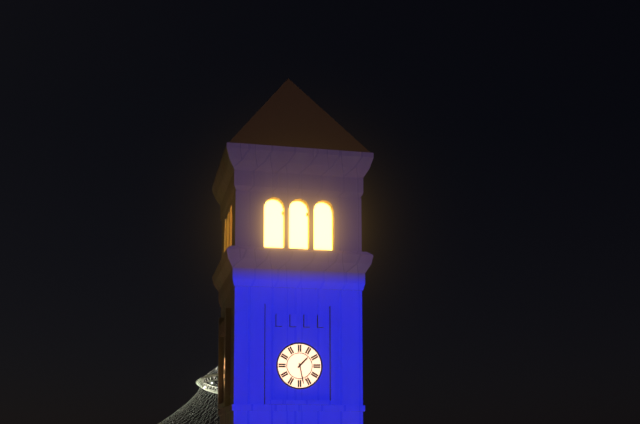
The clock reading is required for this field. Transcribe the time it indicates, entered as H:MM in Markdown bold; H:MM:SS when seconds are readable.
**1:28**
